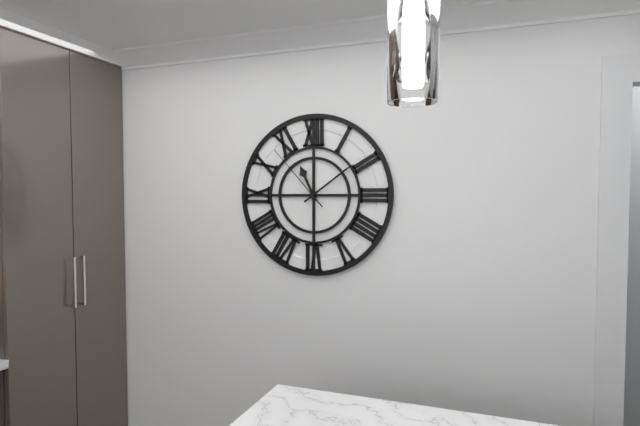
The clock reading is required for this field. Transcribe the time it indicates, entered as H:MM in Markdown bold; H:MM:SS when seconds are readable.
**11:09:53**
